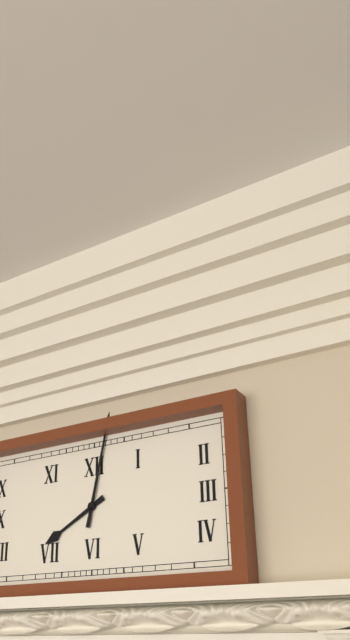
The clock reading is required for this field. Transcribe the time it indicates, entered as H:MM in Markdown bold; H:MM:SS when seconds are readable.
**8:02**
